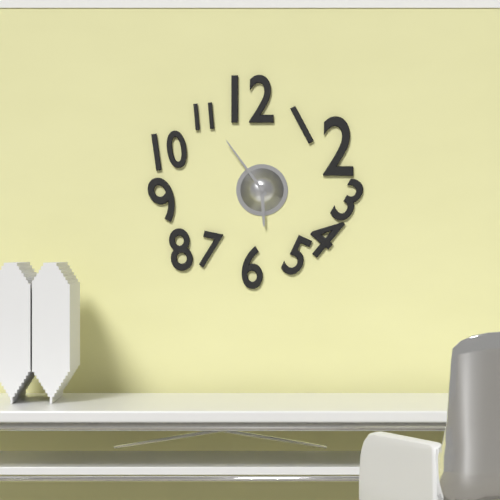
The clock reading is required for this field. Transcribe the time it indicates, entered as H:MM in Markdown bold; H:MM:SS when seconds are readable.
**5:54**
